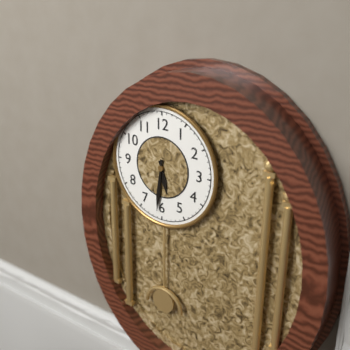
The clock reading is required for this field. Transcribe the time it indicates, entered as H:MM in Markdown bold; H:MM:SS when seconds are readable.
**5:31**
